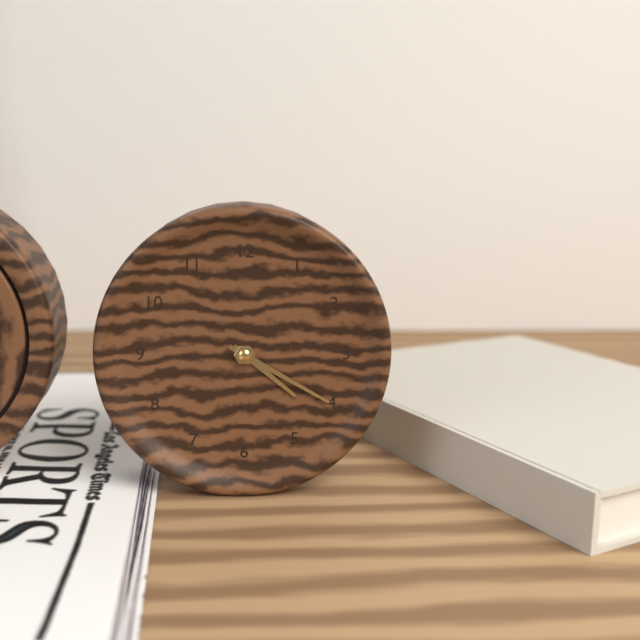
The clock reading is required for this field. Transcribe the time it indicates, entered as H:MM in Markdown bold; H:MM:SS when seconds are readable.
**4:20**
